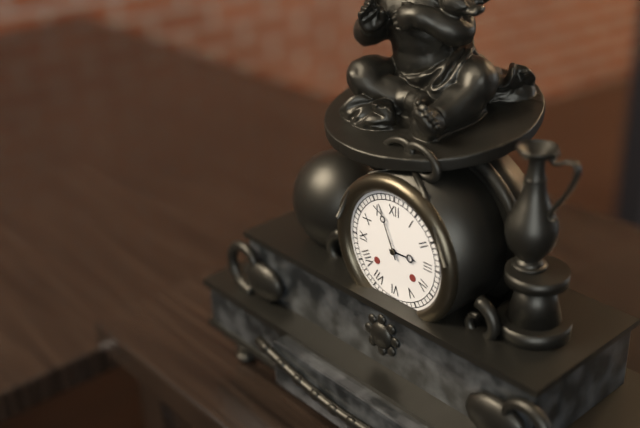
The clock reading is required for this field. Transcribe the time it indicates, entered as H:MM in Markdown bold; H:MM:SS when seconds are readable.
**2:56**
